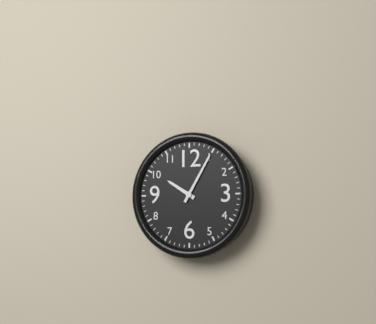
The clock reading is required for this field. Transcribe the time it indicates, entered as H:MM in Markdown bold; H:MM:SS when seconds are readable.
**10:05**
